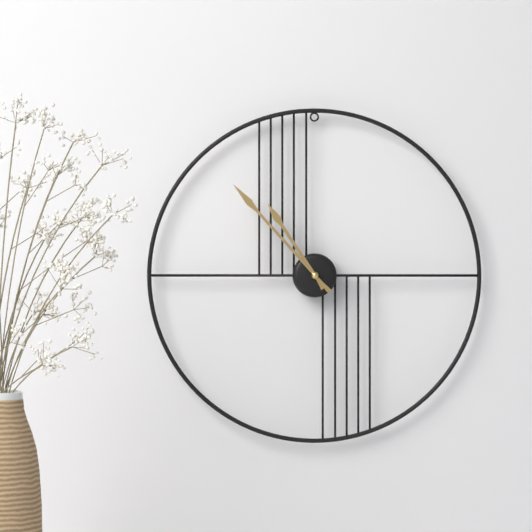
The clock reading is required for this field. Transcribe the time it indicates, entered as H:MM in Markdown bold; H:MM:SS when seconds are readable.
**10:53**
